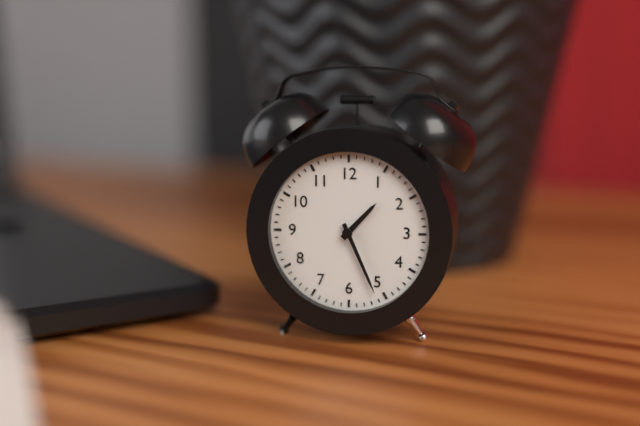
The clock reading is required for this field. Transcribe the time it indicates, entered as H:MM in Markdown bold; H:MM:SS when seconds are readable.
**1:26**
